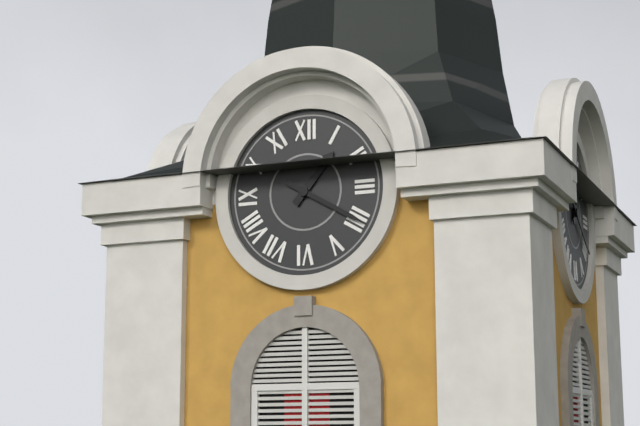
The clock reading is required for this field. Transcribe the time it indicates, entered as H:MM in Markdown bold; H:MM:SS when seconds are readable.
**1:20**
